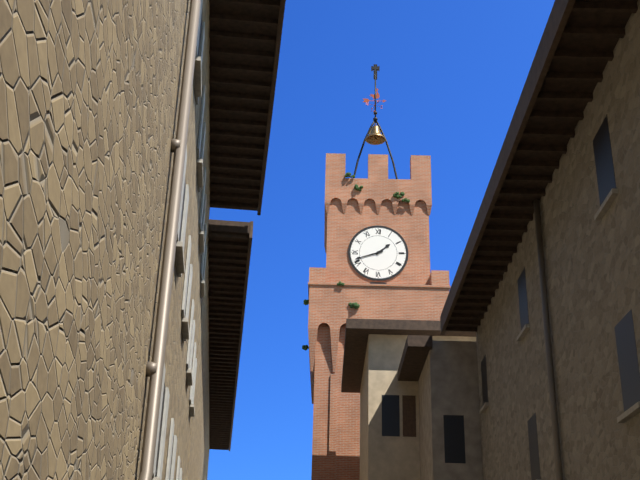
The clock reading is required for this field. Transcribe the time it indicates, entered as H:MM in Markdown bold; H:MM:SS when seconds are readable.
**1:42**
